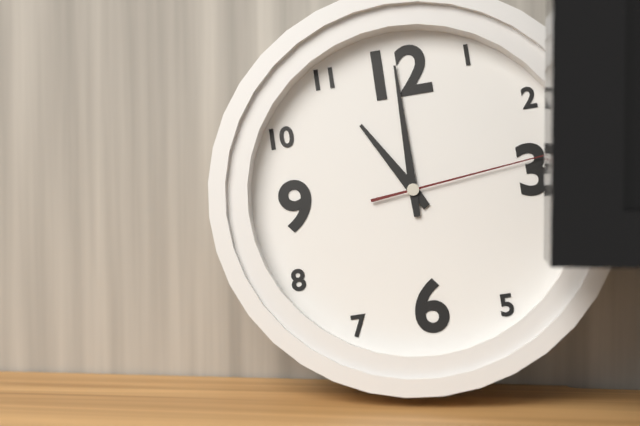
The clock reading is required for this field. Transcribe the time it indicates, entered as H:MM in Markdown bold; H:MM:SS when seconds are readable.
**11:00:14**
